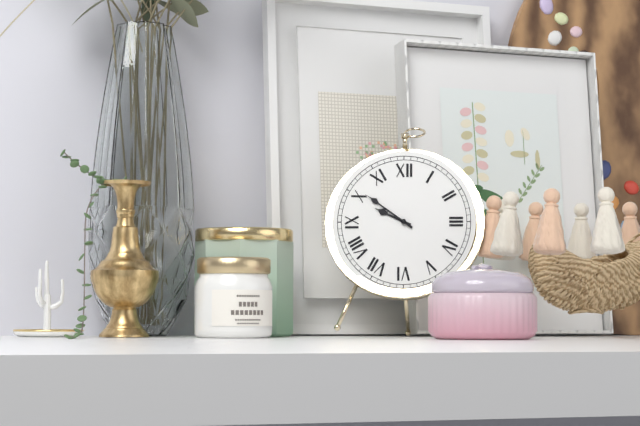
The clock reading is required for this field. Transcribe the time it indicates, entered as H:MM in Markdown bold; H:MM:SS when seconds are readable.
**9:51**
